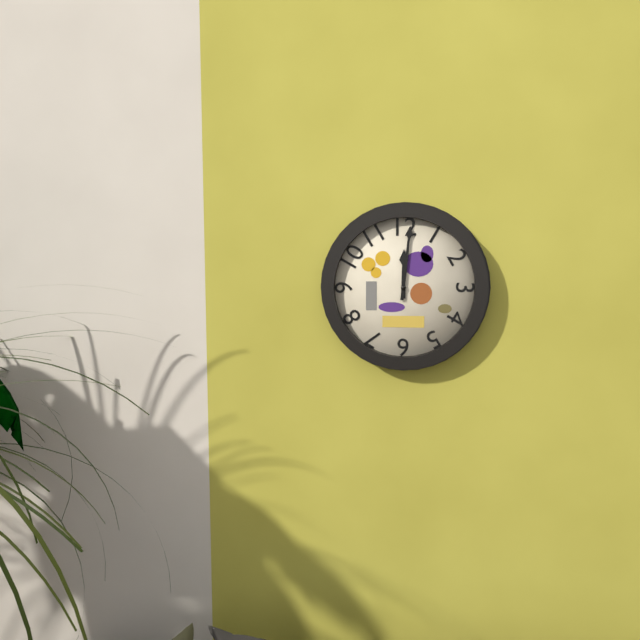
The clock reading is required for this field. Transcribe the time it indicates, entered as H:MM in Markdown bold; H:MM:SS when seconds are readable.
**12:01**
